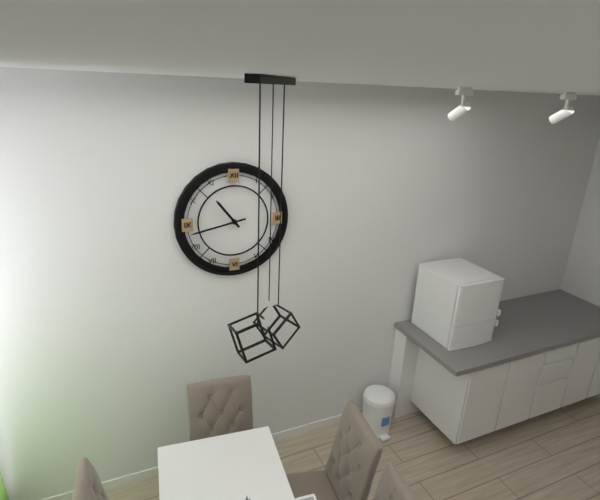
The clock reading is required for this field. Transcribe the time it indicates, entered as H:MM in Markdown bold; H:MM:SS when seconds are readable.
**10:43**
